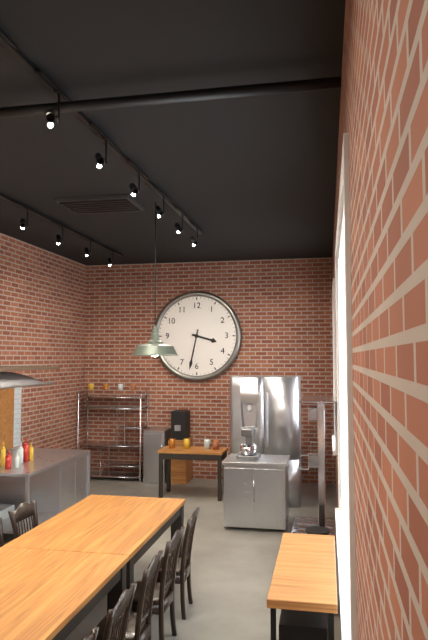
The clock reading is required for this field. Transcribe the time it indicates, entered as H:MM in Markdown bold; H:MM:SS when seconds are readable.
**3:32**
